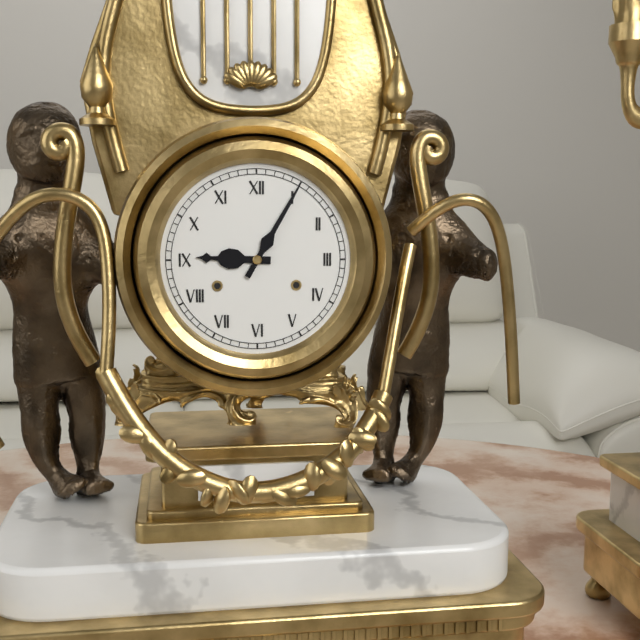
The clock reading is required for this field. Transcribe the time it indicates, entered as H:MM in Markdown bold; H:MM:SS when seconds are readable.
**9:05**
